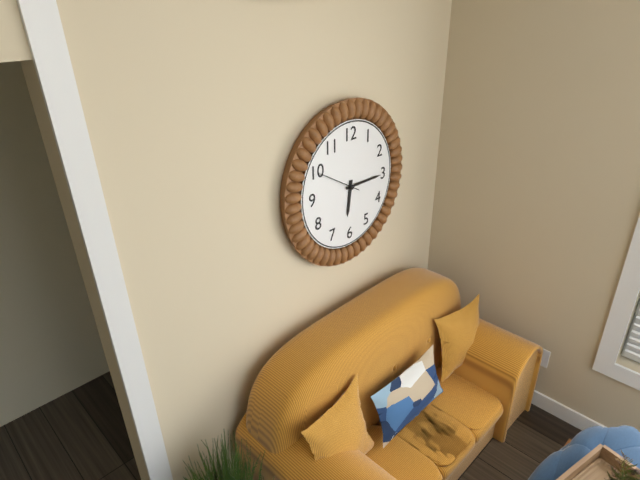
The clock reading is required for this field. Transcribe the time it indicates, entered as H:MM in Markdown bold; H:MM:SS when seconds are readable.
**6:15**
